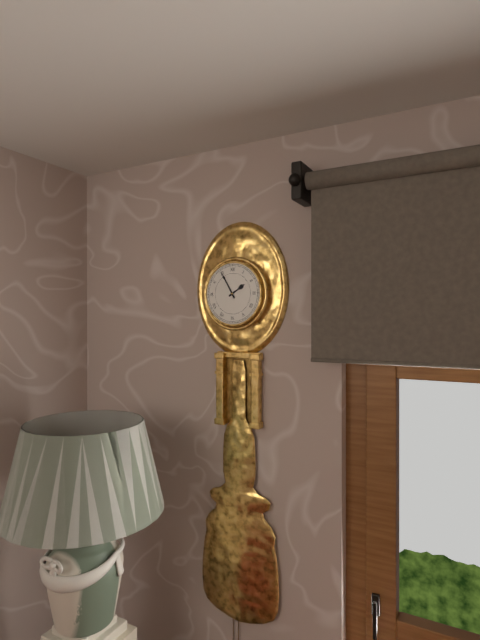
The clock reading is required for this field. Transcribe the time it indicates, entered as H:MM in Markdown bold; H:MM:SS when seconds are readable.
**1:55**
